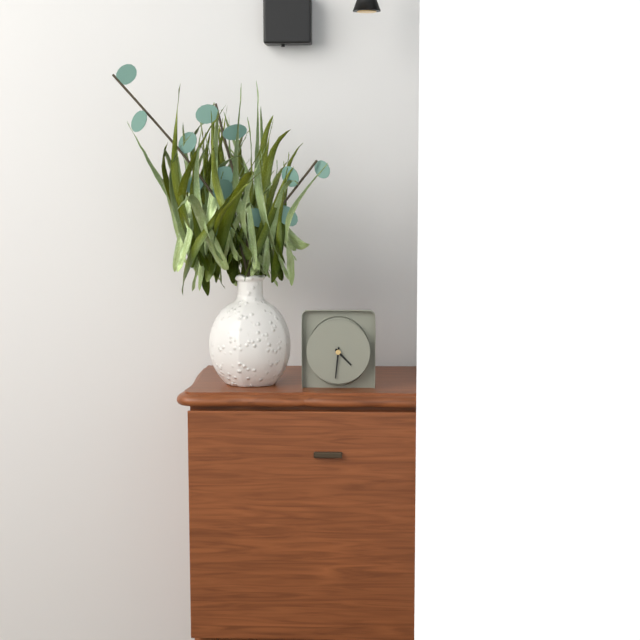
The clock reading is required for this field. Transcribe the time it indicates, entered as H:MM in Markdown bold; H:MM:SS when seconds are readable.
**4:31**
